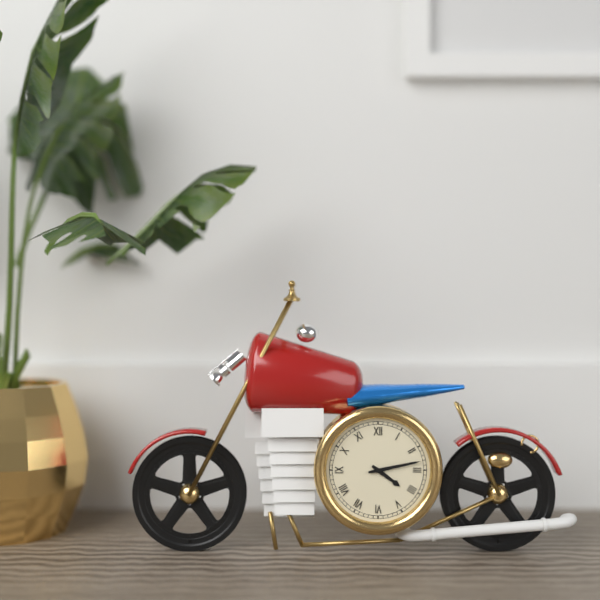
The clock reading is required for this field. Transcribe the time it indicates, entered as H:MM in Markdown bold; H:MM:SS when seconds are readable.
**4:13**
